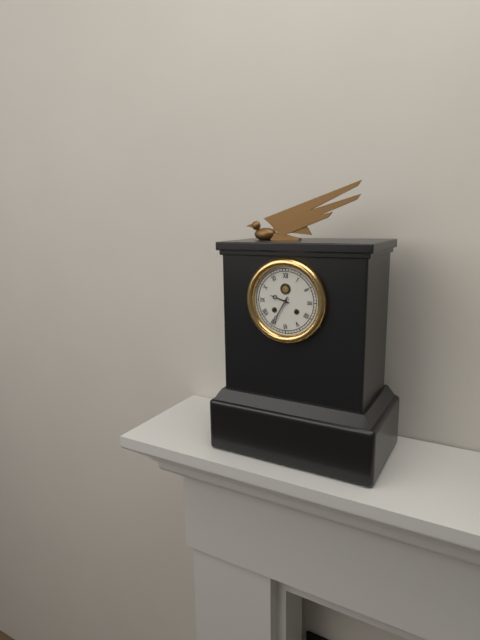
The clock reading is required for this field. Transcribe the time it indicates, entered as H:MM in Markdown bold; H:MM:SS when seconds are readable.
**9:35**
